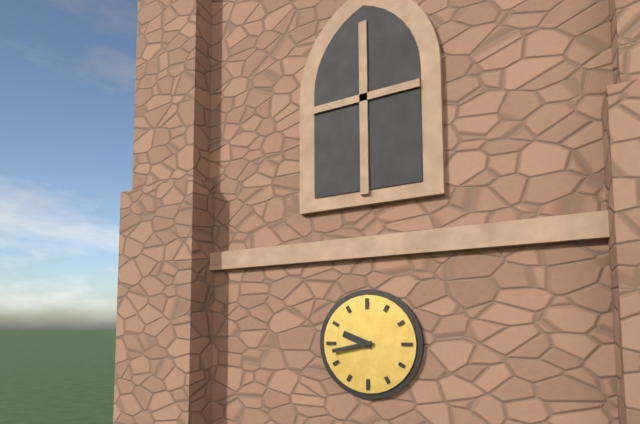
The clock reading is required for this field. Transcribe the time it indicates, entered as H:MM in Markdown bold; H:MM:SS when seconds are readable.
**9:43**
